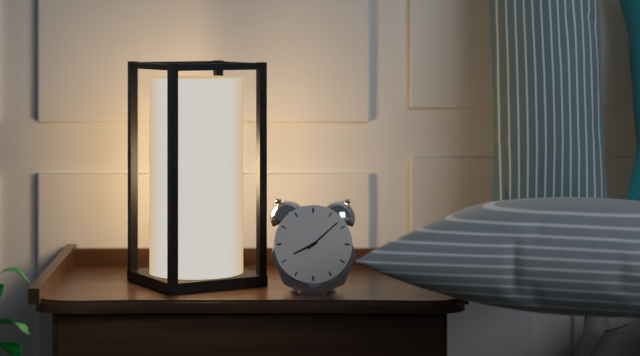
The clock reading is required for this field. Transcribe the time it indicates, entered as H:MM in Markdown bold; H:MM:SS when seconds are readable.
**8:08**
